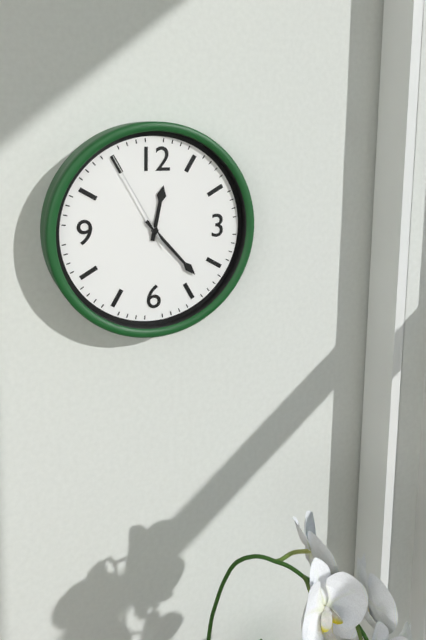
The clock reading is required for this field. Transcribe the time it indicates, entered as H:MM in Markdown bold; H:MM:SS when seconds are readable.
**12:23:55**
